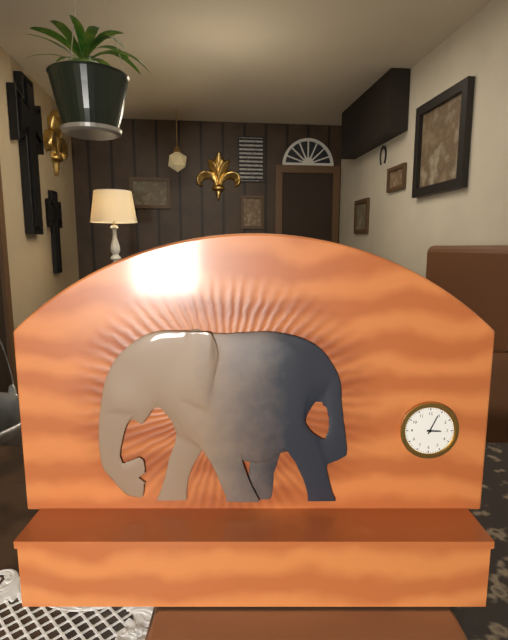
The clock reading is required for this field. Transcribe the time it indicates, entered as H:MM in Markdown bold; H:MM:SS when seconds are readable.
**3:04**
